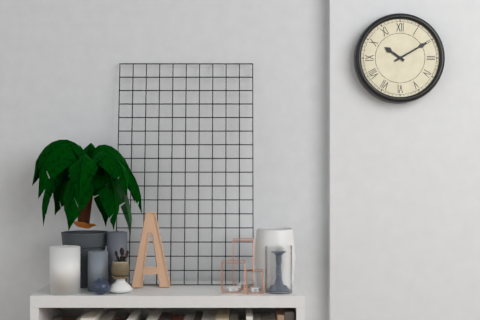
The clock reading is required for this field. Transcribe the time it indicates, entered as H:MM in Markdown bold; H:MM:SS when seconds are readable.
**10:10**
